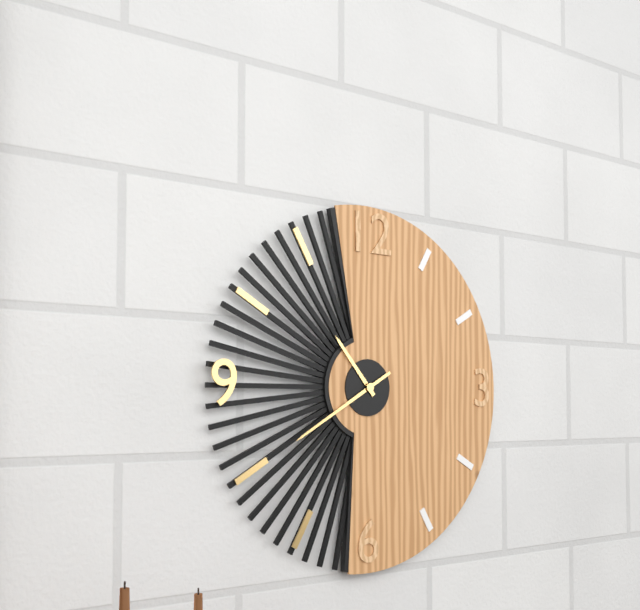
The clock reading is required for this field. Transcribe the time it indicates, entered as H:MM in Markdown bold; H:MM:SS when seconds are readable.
**10:40**
